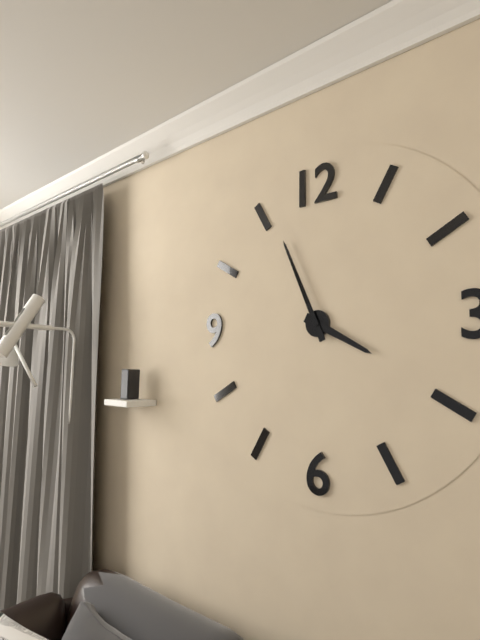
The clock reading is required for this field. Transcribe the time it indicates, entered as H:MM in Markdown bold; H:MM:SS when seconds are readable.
**3:56**
